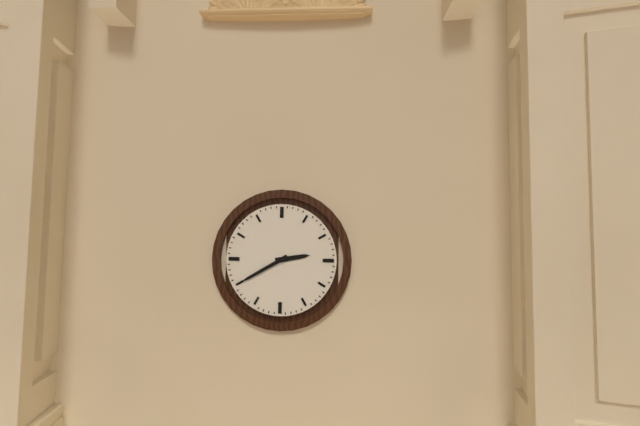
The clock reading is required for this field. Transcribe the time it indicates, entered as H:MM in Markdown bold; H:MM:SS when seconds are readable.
**2:40**
